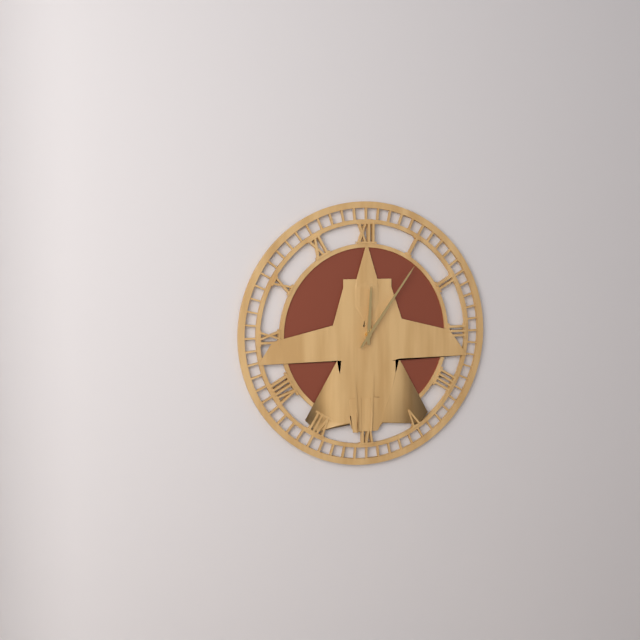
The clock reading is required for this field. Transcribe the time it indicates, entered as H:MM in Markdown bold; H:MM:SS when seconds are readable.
**12:06**
